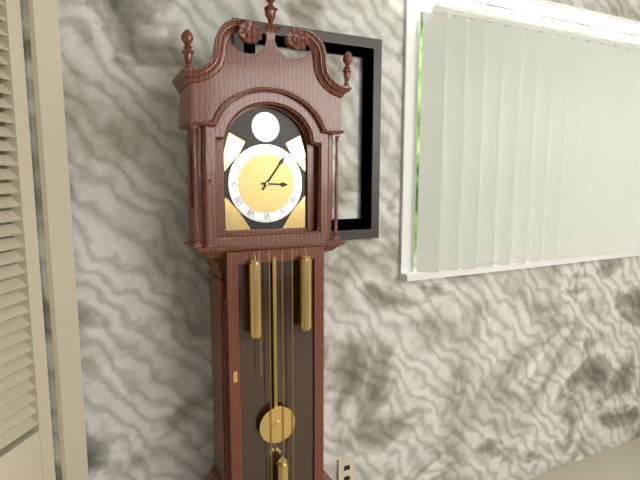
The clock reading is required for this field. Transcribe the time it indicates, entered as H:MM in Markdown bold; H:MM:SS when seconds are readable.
**3:06**
